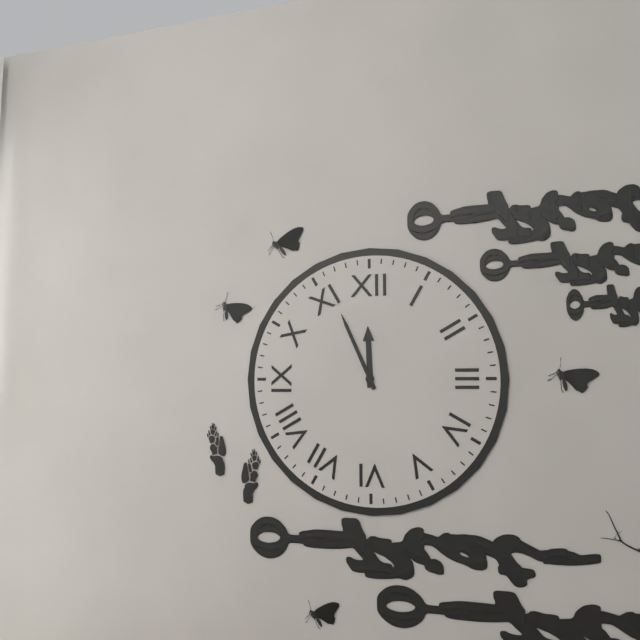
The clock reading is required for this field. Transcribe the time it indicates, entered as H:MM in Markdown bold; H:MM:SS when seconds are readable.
**11:56**
